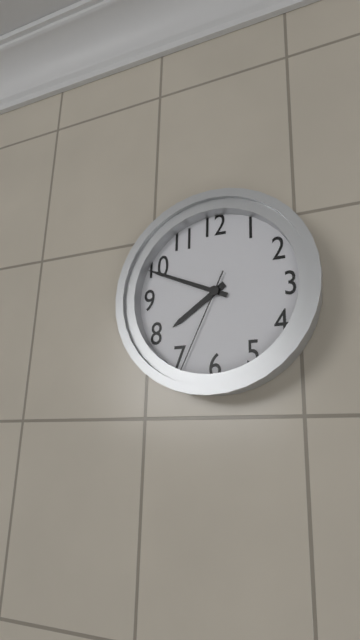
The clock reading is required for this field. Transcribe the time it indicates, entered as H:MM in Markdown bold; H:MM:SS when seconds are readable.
**7:49:34**
